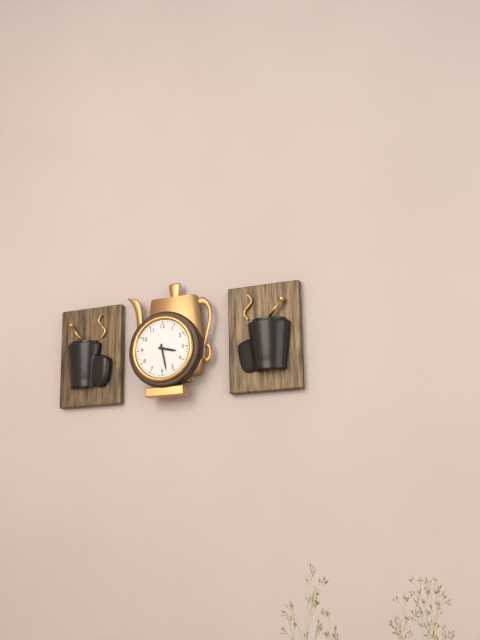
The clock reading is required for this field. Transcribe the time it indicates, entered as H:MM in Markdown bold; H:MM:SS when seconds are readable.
**3:28**
